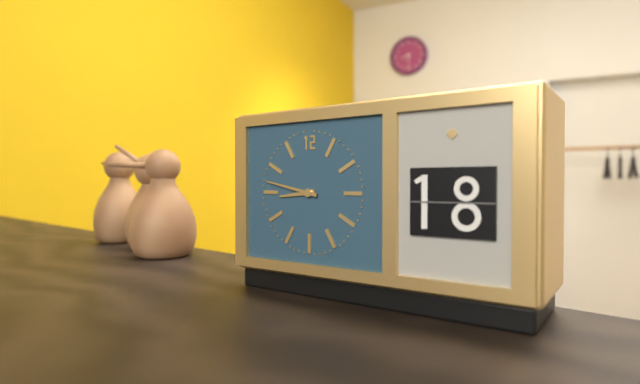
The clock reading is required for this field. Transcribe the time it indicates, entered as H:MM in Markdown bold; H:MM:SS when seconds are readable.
**8:47**
